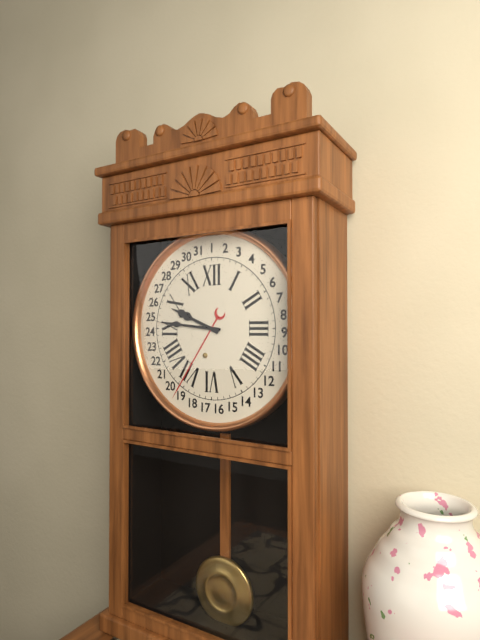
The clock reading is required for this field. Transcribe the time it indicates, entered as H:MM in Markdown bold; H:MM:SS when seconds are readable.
**9:46**
